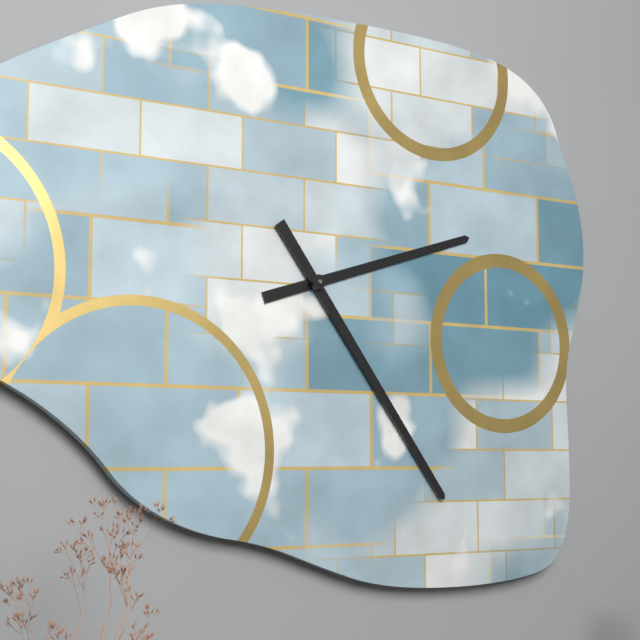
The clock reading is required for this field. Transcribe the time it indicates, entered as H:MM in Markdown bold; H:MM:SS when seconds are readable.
**2:24**
